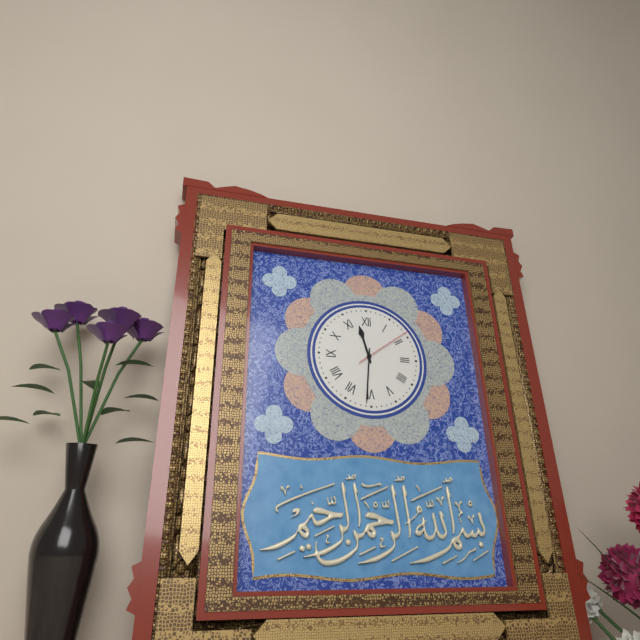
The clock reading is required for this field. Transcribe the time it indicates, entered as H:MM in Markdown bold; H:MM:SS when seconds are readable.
**11:31:09**
